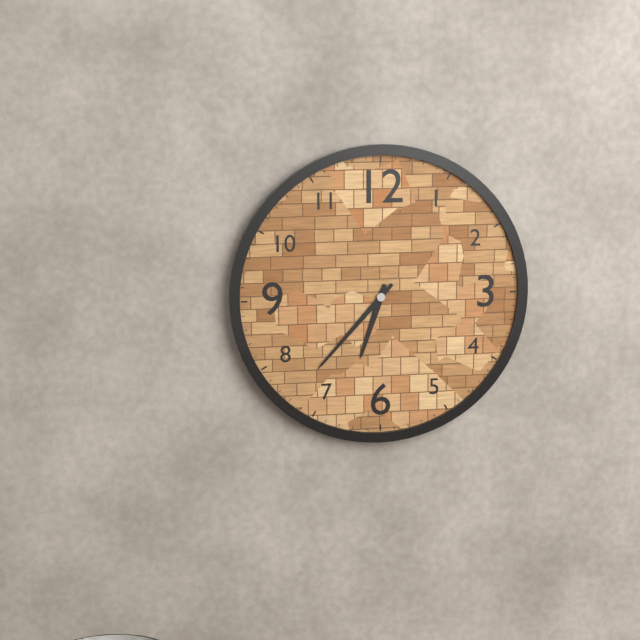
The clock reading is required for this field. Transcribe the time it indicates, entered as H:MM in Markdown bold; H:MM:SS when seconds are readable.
**6:37**
